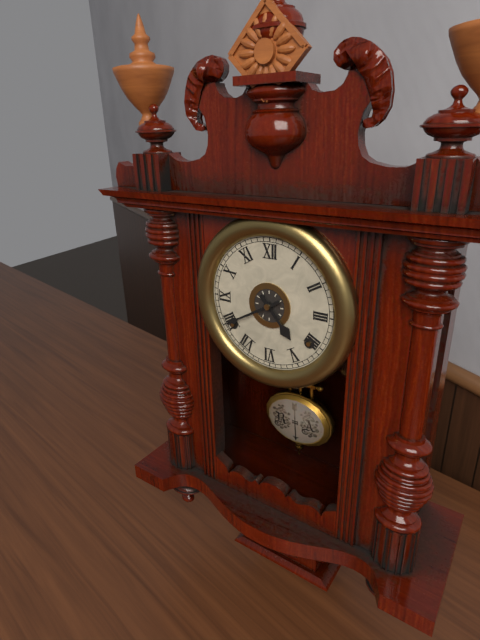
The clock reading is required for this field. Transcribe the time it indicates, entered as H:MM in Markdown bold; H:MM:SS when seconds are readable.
**4:40**
